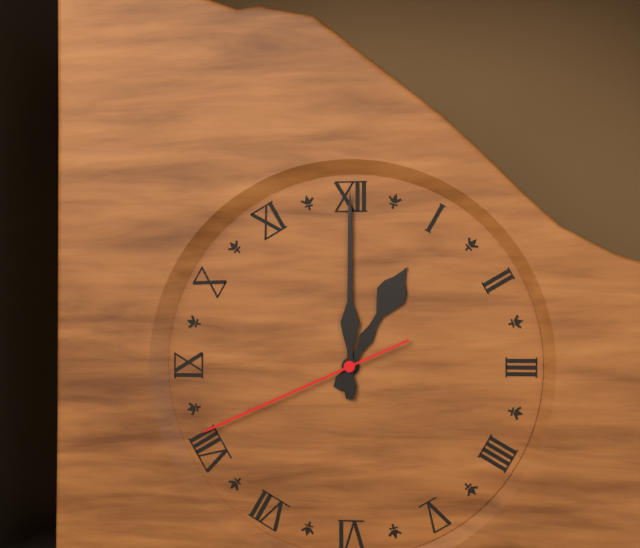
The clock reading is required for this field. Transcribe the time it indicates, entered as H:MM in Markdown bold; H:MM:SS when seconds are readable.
**1:00:41**
